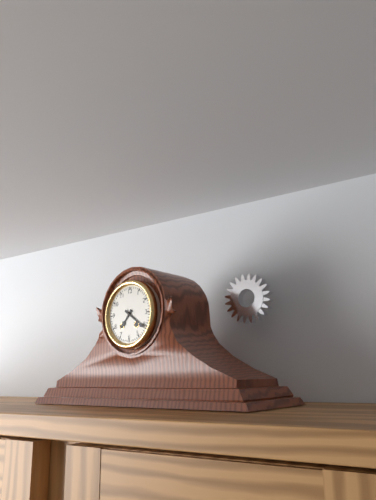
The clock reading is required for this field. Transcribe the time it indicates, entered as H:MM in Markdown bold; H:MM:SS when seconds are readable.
**7:21**
